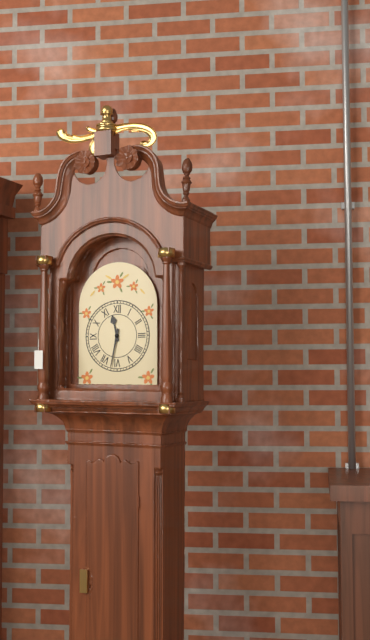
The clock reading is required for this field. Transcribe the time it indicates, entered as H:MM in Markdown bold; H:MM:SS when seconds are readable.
**11:32**
